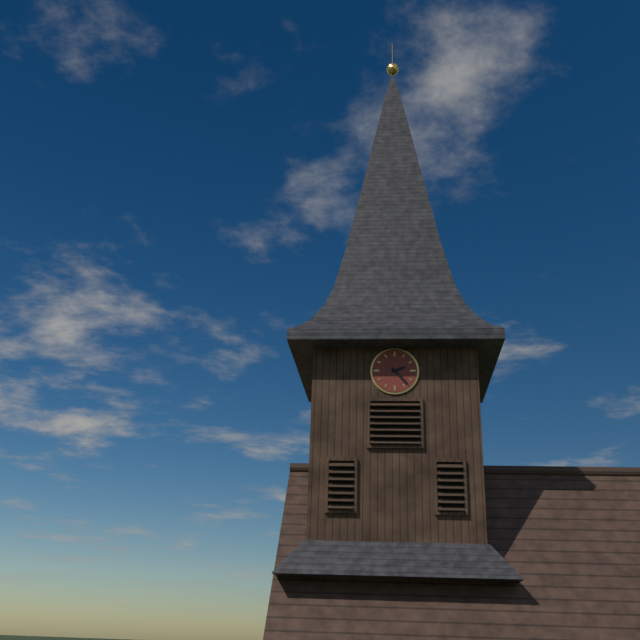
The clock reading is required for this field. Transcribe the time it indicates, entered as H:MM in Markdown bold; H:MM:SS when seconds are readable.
**2:23**
